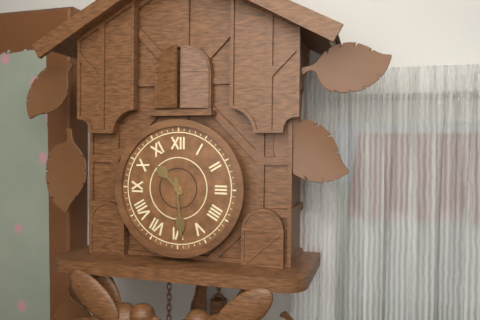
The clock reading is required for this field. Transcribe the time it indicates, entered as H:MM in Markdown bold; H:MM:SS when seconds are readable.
**10:29**
